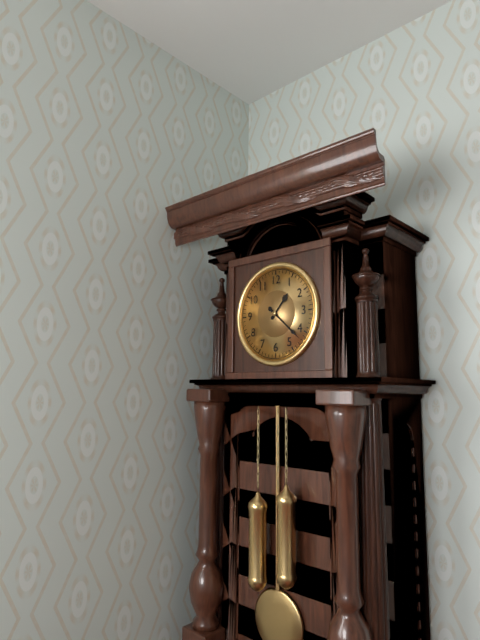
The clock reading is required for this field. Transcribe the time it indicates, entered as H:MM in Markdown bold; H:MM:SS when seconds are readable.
**1:22**
